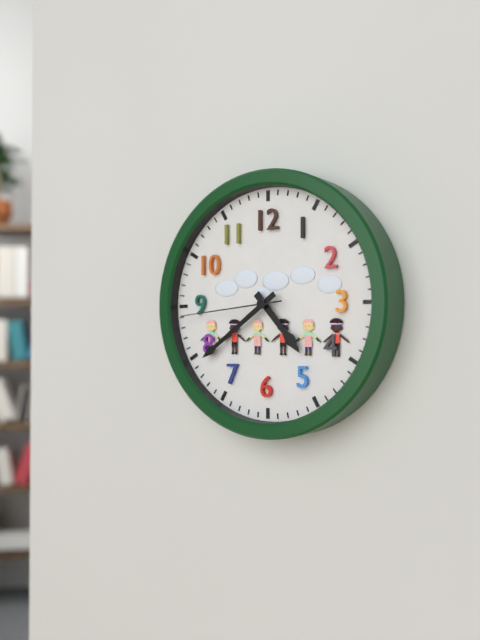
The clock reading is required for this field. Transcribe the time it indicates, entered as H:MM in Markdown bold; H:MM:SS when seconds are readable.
**4:39:44**
